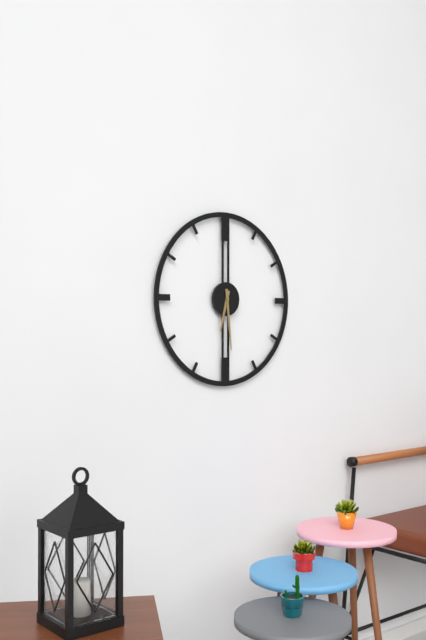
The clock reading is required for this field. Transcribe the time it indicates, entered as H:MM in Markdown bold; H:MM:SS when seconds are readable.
**6:29**
